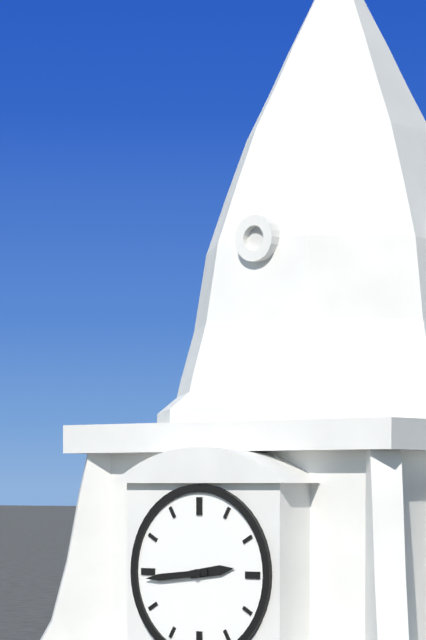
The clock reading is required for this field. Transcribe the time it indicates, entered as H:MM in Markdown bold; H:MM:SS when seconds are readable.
**2:44**
